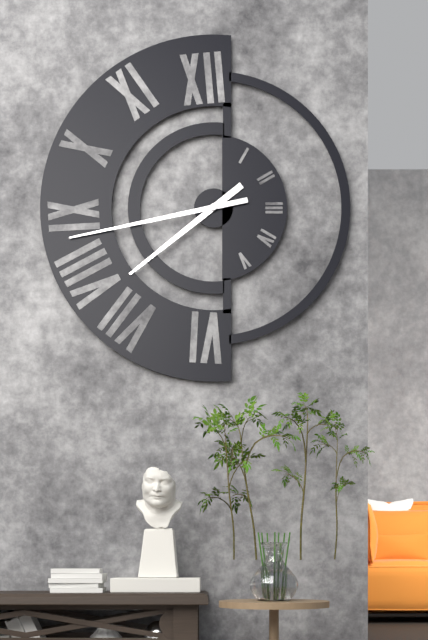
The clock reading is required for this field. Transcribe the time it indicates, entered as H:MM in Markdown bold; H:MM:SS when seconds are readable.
**7:43**
